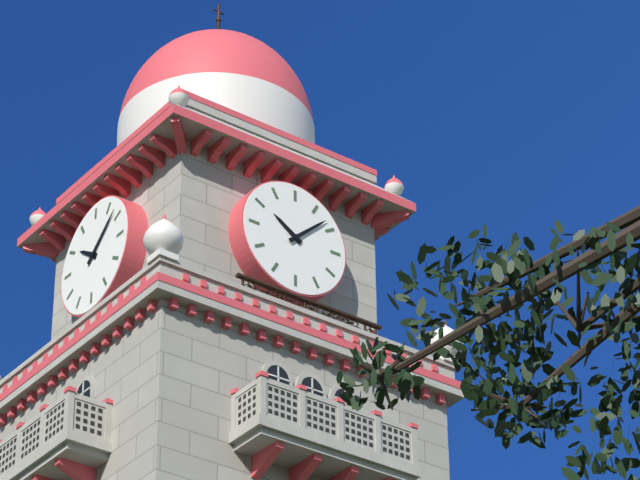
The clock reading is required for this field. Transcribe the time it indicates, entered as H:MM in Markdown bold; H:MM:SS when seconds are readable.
**10:08**
